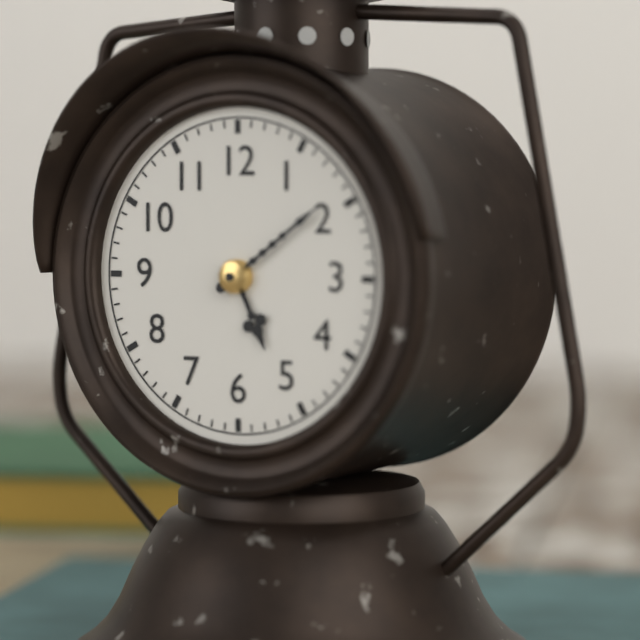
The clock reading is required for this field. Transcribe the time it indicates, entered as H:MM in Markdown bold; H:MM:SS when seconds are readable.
**5:09**
